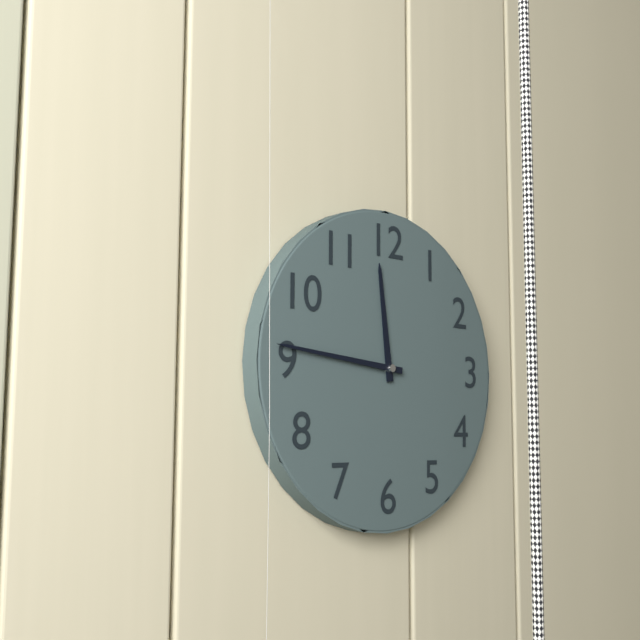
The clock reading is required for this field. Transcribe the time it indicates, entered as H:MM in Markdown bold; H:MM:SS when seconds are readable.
**11:46**
